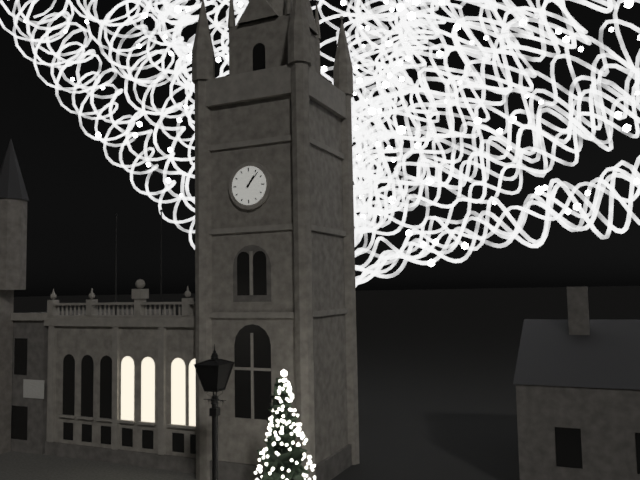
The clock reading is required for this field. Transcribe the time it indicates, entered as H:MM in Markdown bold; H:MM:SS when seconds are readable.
**1:07**
